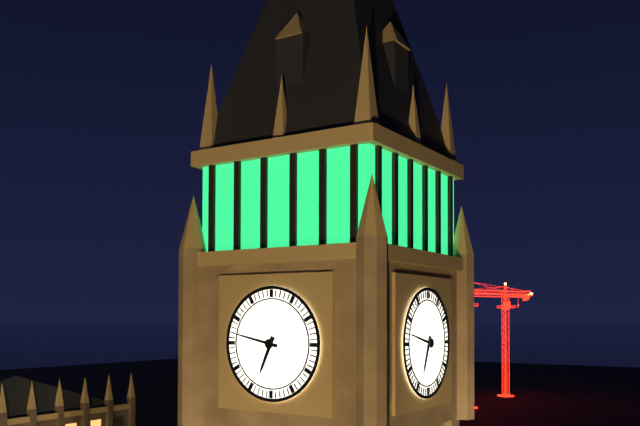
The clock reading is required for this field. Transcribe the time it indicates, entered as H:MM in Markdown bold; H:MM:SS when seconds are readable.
**6:47**
